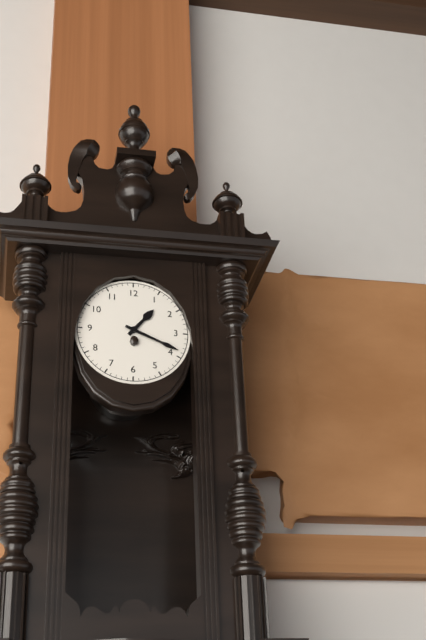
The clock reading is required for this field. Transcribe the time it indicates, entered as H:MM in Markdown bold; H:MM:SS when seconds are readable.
**1:19**
